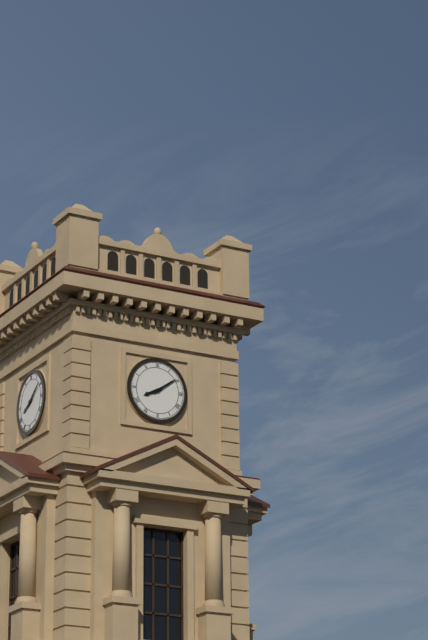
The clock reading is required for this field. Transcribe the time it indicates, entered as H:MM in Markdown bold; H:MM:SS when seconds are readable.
**8:09**
